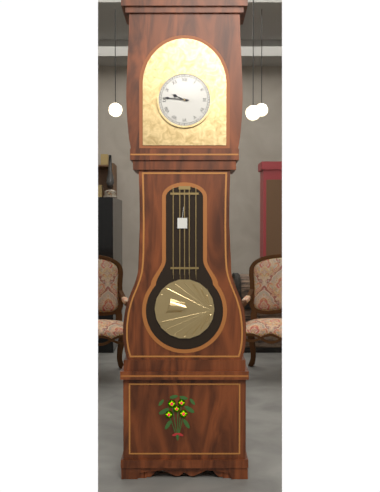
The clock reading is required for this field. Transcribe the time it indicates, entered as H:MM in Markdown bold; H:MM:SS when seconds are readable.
**9:46**
